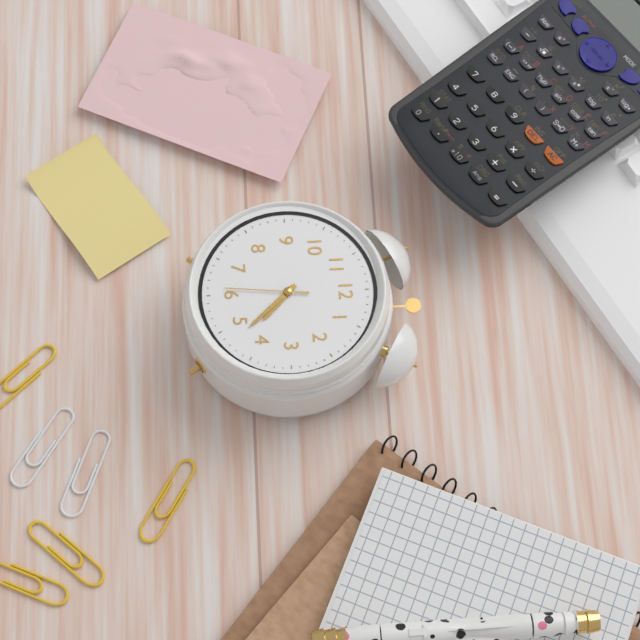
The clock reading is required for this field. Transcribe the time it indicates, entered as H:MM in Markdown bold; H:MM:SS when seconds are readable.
**4:23:31**
